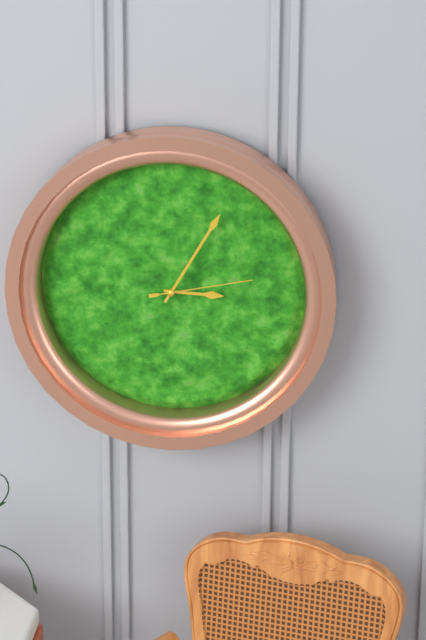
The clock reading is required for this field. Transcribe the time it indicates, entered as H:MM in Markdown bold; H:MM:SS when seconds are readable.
**3:05:13**
